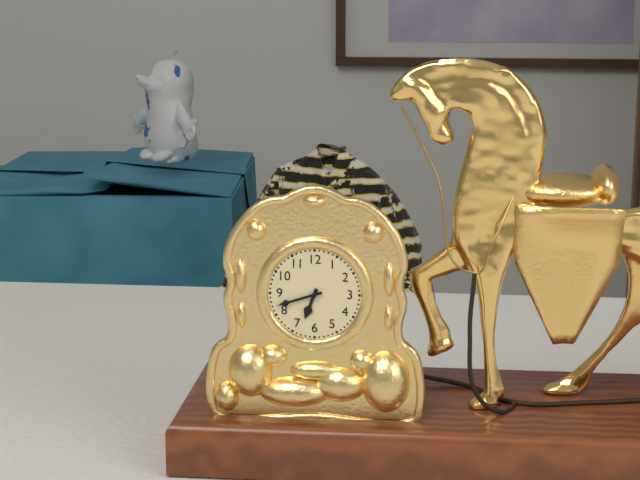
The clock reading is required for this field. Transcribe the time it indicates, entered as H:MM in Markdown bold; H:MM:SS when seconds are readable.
**6:42**
